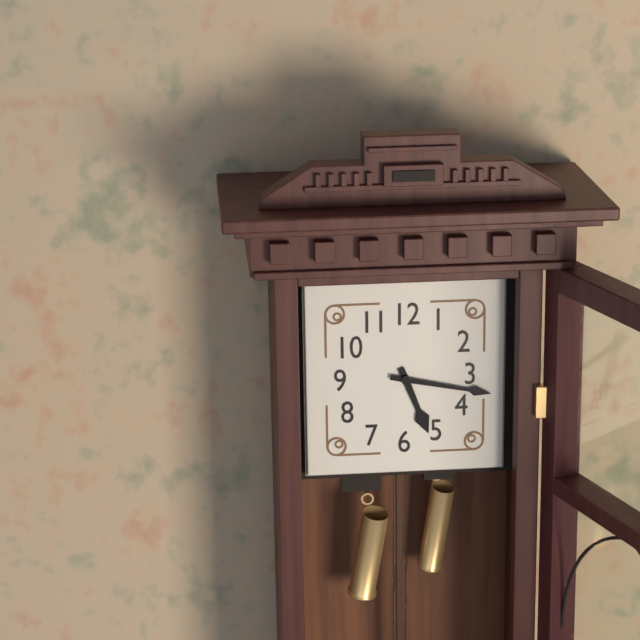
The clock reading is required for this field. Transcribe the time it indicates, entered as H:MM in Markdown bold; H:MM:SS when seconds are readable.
**5:17**
